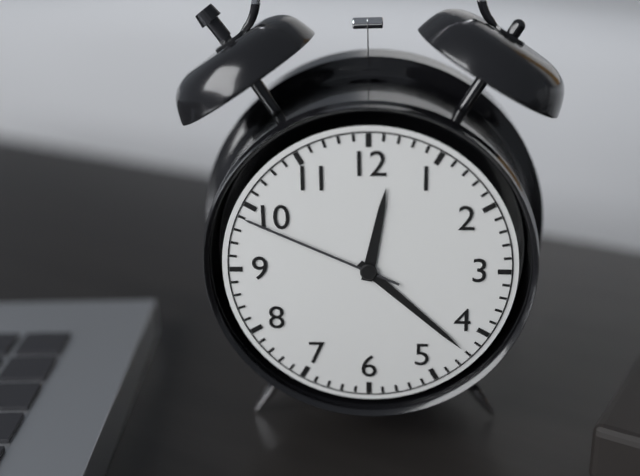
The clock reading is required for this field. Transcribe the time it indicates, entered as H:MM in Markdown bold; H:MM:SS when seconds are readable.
**12:22:49**
